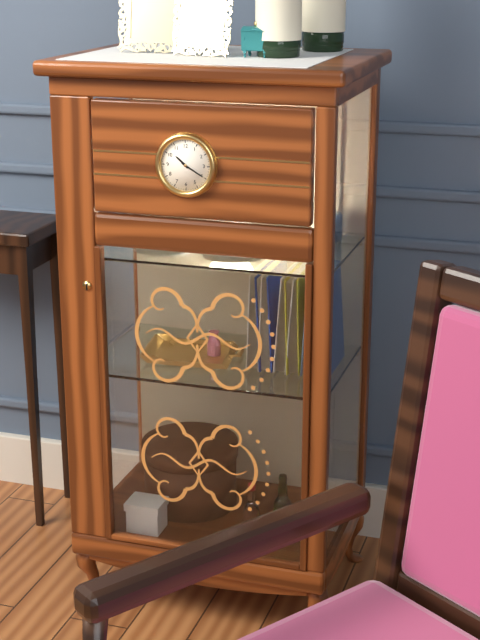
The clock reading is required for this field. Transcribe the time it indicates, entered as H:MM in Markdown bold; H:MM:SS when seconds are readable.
**10:20**
